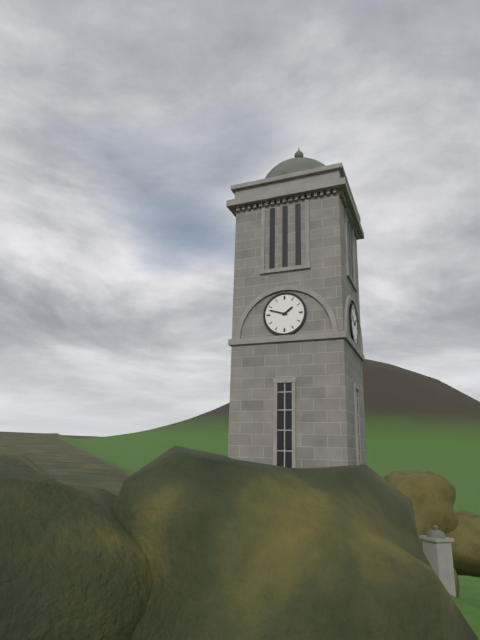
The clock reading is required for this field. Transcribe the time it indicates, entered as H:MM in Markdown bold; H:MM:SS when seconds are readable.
**1:48**
